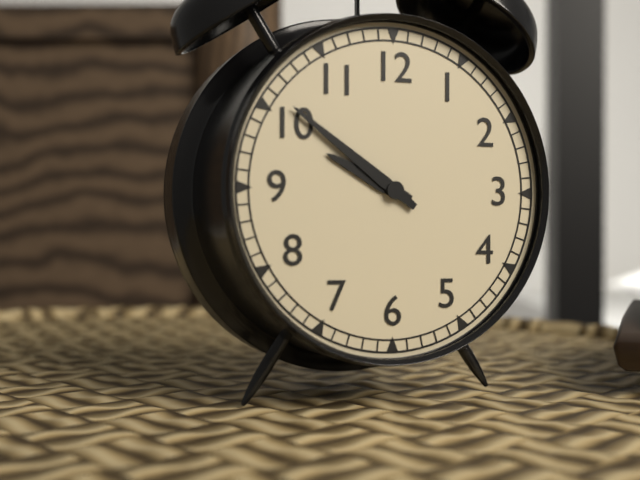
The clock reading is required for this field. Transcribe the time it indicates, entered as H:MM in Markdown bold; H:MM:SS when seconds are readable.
**9:51**
